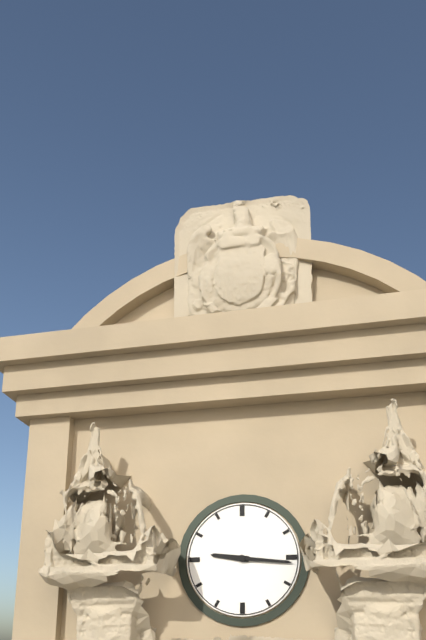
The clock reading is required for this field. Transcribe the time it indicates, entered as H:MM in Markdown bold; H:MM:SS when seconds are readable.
**9:16**
